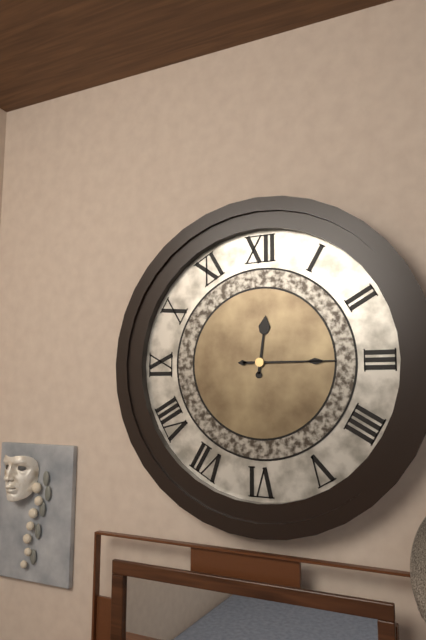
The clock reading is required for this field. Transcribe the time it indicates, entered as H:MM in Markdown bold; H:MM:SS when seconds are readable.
**12:15**
